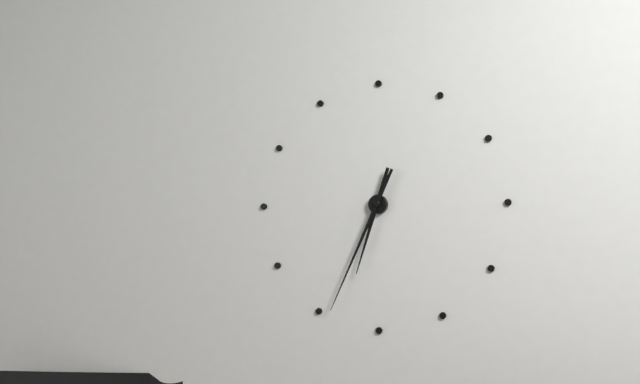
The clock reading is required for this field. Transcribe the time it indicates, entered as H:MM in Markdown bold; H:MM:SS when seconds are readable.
**6:34**
